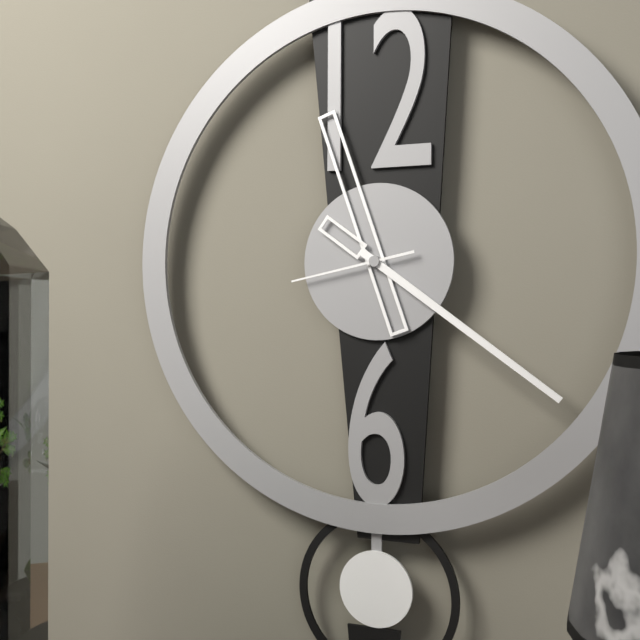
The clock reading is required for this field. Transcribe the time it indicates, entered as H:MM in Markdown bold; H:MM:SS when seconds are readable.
**11:21:43**
